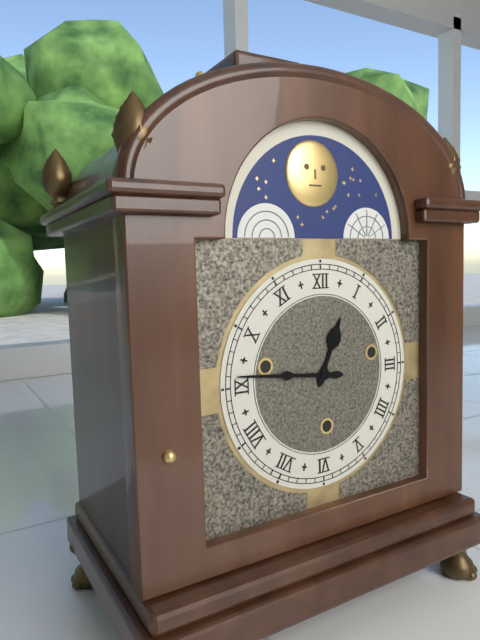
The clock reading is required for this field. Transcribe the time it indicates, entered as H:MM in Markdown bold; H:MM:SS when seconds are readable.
**12:46**
